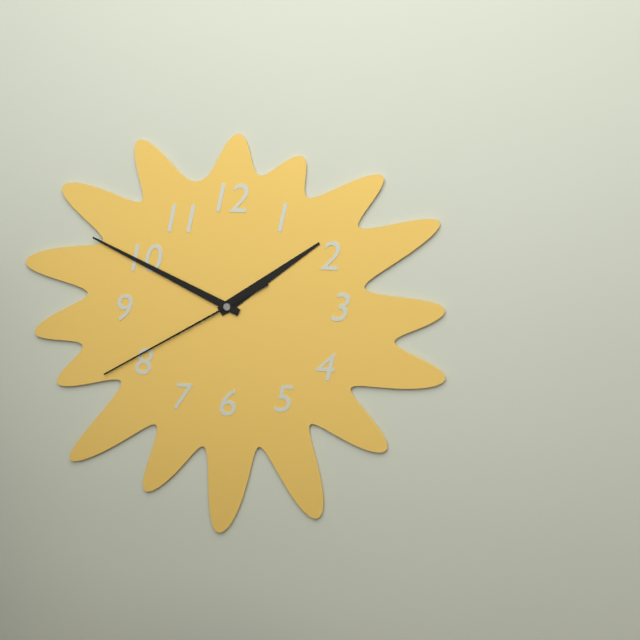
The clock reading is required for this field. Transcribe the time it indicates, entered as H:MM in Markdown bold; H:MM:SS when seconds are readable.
**1:49:40**
